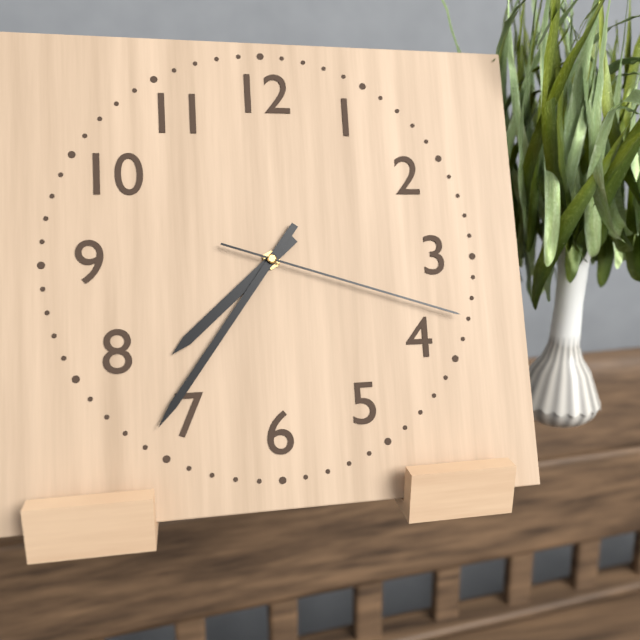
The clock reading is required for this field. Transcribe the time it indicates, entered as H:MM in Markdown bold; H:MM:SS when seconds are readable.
**7:36:18**
